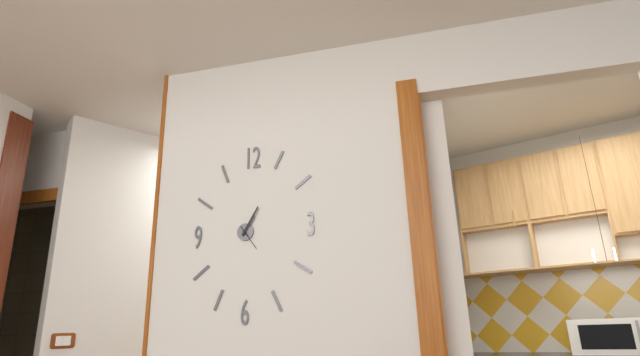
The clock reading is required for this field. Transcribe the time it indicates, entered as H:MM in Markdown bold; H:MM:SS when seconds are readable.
**1:05**
